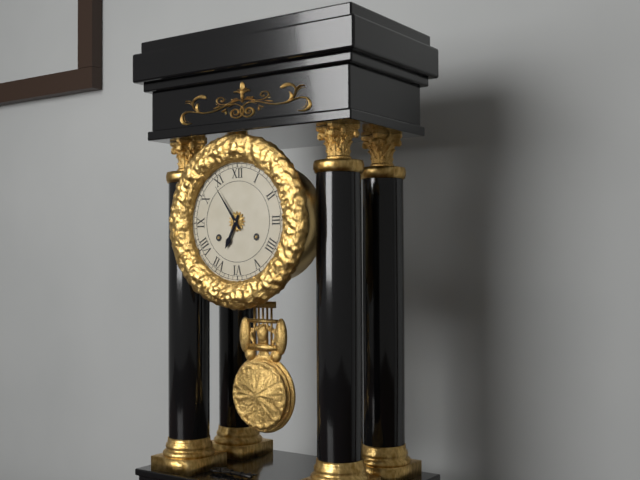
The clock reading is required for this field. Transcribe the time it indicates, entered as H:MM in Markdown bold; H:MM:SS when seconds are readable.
**6:54**
